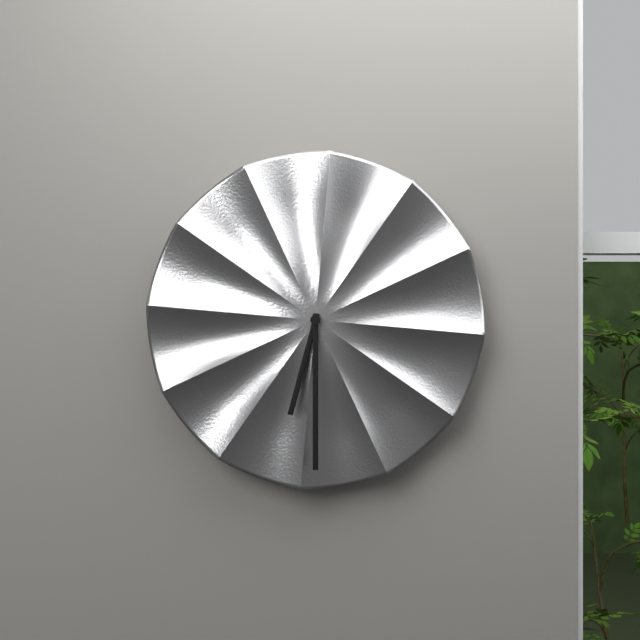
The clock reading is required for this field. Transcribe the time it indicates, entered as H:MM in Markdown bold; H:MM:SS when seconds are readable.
**6:30**
